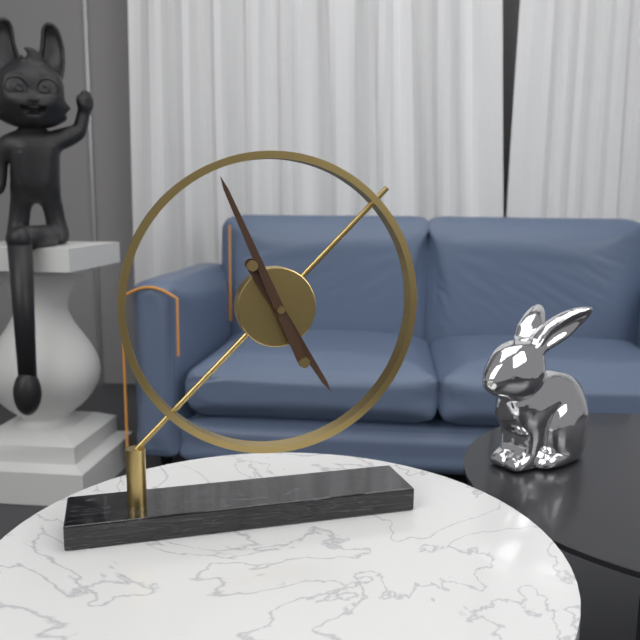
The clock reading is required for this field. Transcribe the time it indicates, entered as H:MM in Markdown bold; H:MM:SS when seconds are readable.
**4:56**
